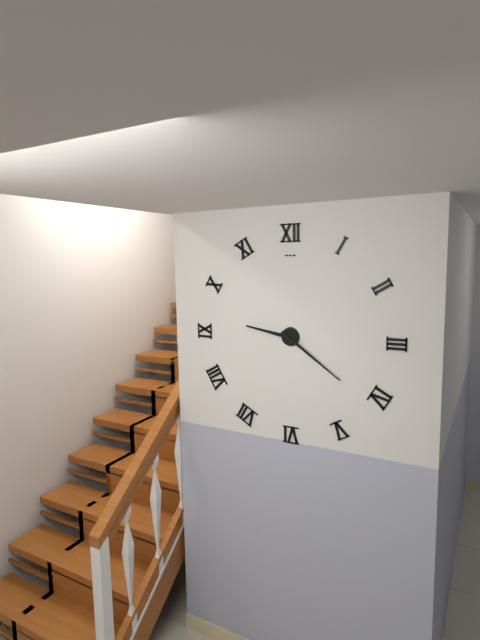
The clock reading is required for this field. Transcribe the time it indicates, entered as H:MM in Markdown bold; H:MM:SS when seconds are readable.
**9:21**
